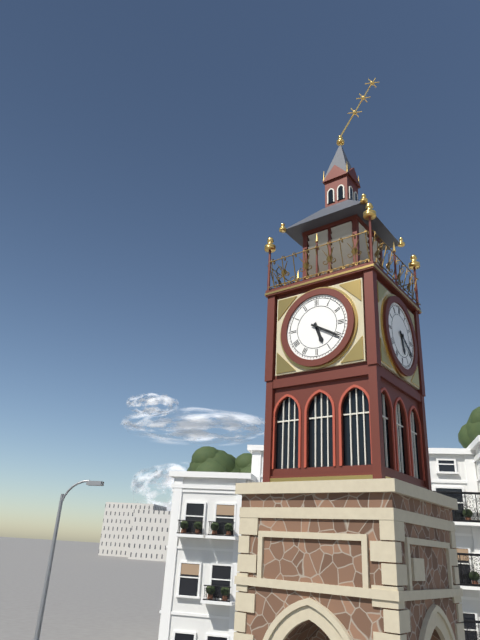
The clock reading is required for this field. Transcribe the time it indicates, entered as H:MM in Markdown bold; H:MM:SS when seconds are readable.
**5:20**
